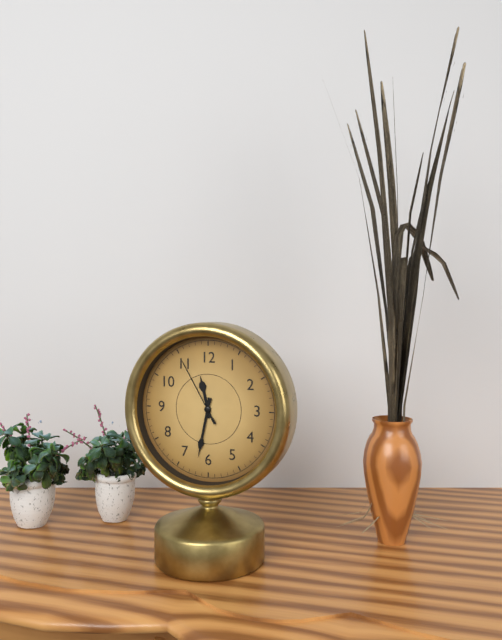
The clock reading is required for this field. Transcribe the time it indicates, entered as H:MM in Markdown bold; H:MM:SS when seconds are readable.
**11:32:55**
